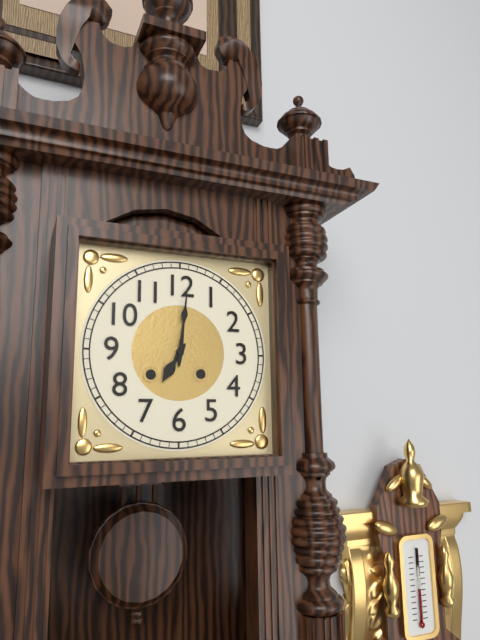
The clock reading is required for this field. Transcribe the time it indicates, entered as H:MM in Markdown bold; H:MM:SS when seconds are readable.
**7:01**
